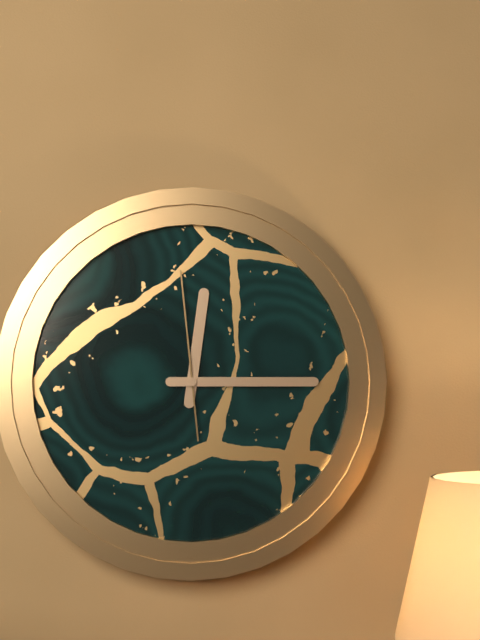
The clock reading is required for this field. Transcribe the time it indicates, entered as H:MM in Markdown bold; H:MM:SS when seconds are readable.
**12:15:59**
